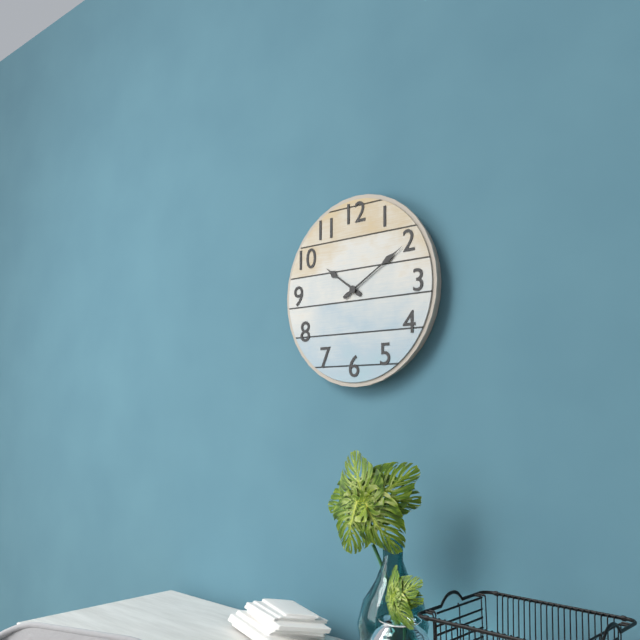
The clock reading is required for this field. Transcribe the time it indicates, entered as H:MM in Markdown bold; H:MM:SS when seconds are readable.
**10:10**
